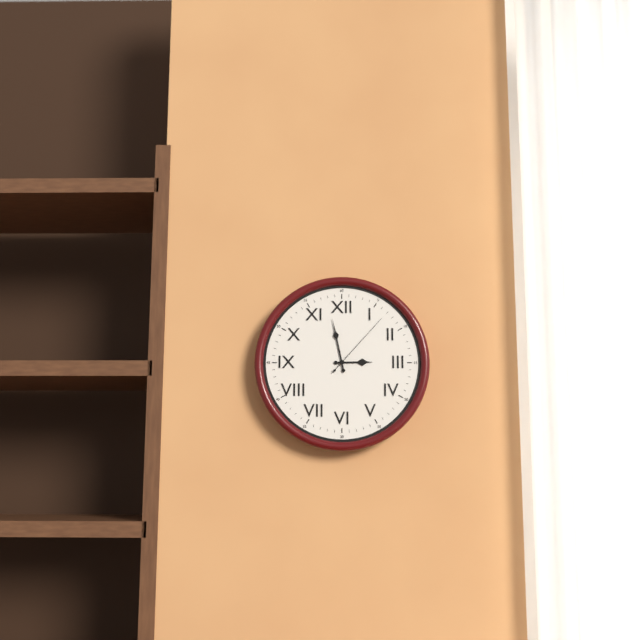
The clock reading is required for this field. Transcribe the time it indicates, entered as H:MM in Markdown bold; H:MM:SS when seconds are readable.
**2:58:07**
